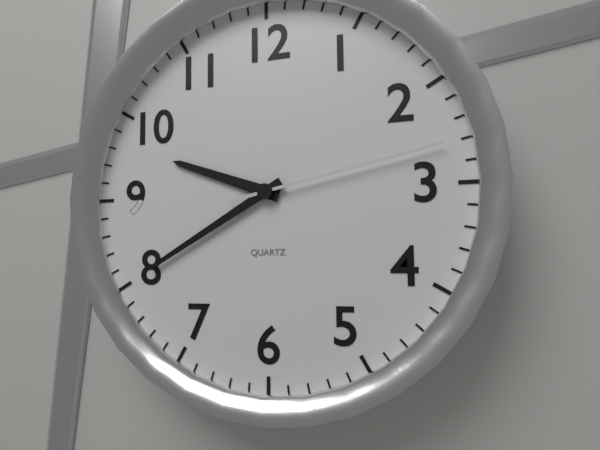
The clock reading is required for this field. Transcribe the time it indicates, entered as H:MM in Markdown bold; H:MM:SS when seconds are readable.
**9:40:13**
